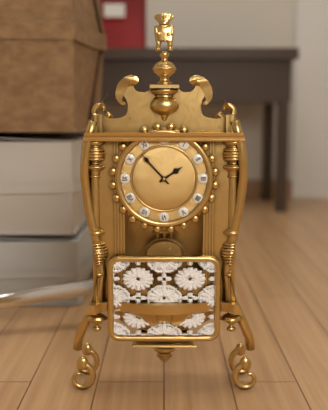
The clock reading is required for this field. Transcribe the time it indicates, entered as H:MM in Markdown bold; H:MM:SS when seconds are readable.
**1:53**
